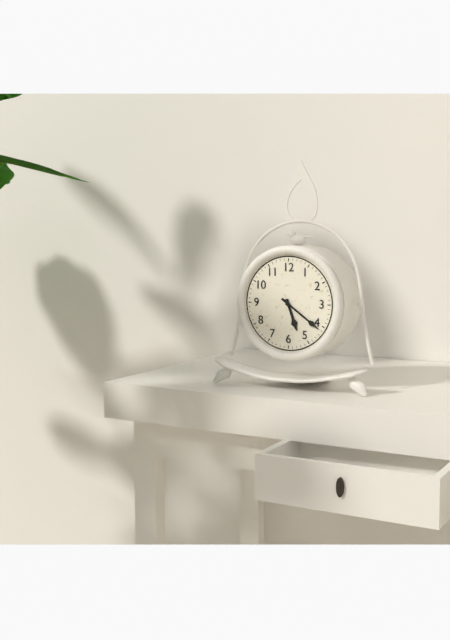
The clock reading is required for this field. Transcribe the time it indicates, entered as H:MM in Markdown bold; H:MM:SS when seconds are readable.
**5:21**
